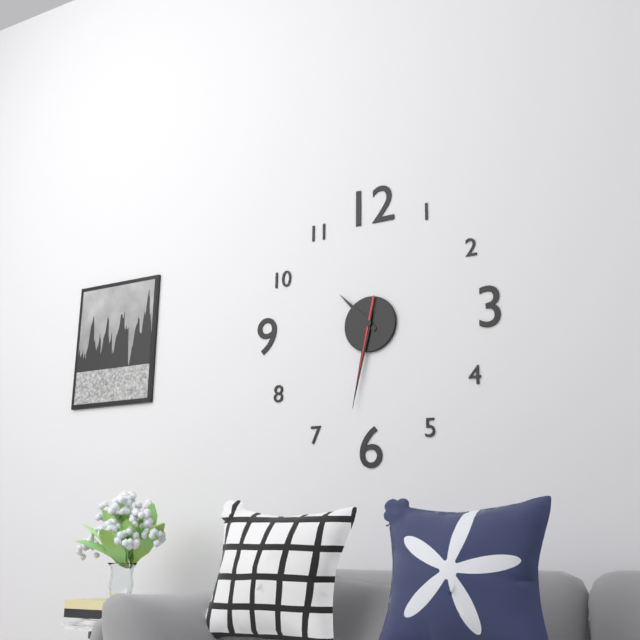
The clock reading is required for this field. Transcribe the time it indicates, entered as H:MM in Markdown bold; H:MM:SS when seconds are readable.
**10:32:32**
